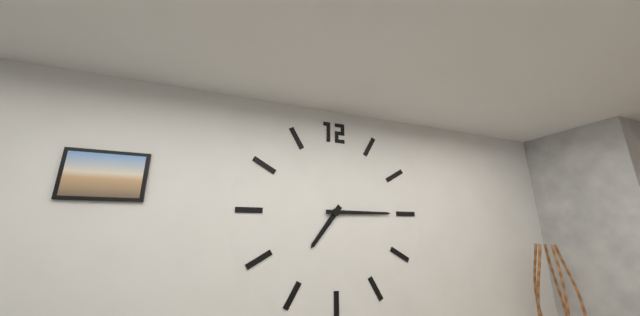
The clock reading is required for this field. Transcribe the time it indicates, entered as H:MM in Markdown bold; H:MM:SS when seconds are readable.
**7:15**
